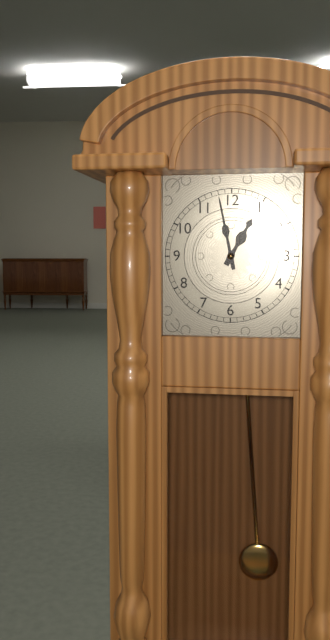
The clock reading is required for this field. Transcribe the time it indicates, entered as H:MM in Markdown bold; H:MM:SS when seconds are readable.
**12:58**
